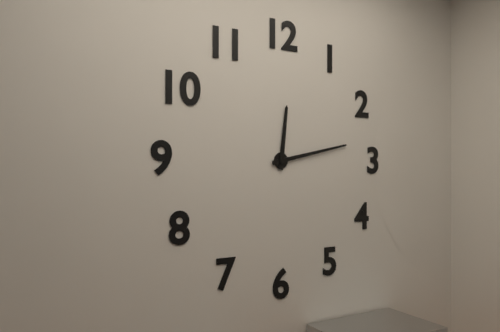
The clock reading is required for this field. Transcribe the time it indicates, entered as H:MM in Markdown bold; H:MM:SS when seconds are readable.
**12:13**
